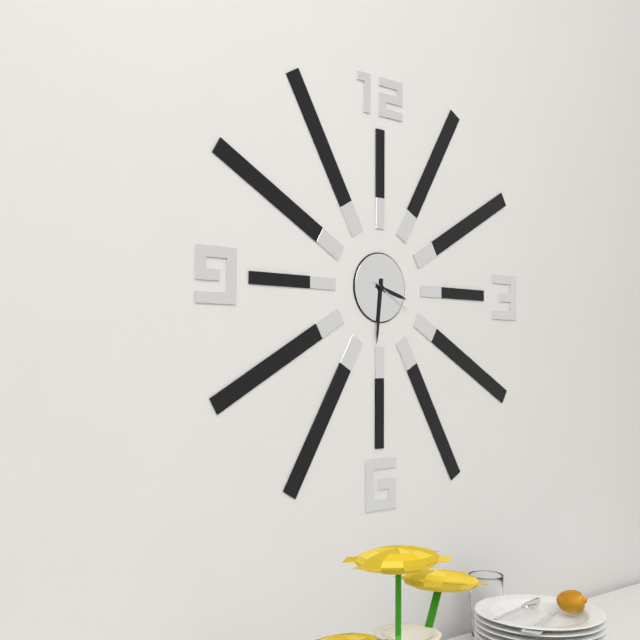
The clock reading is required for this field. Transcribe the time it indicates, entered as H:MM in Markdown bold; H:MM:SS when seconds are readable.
**3:31**
